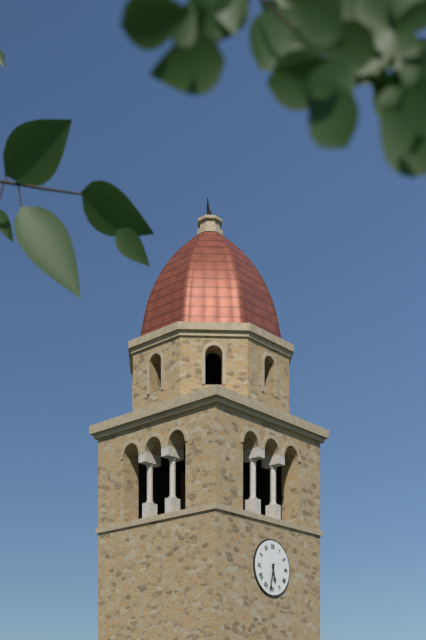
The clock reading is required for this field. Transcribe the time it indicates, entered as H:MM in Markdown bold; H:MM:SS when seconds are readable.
**5:32**
